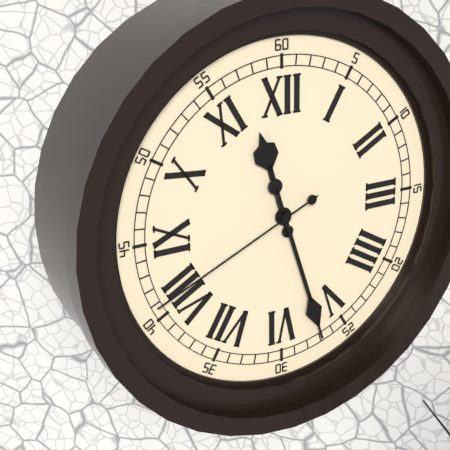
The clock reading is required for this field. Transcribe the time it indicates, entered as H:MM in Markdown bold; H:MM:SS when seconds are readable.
**11:27:41**
